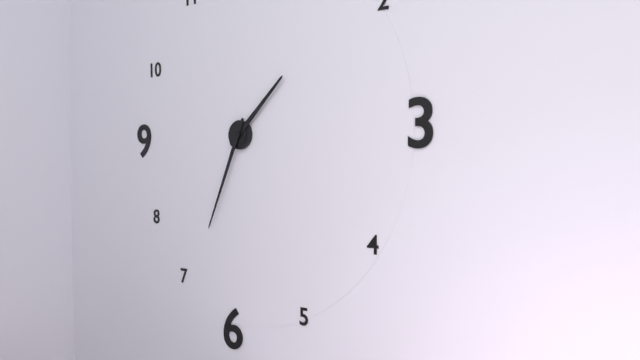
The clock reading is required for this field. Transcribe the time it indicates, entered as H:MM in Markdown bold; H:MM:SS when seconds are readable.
**1:34**
